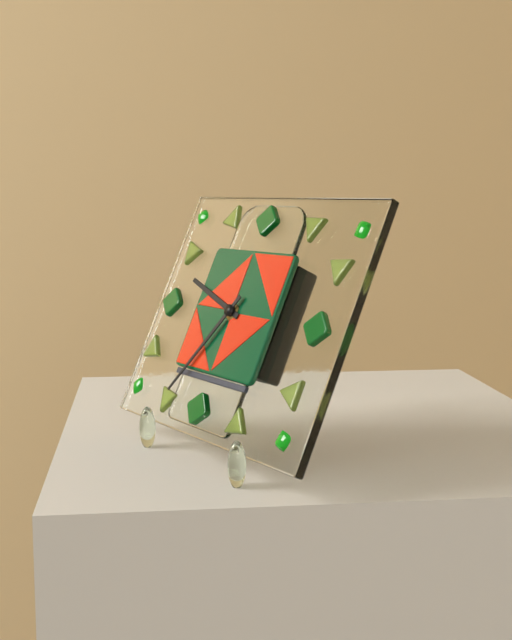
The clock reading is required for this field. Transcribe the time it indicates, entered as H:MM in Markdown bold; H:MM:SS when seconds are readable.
**9:35**
